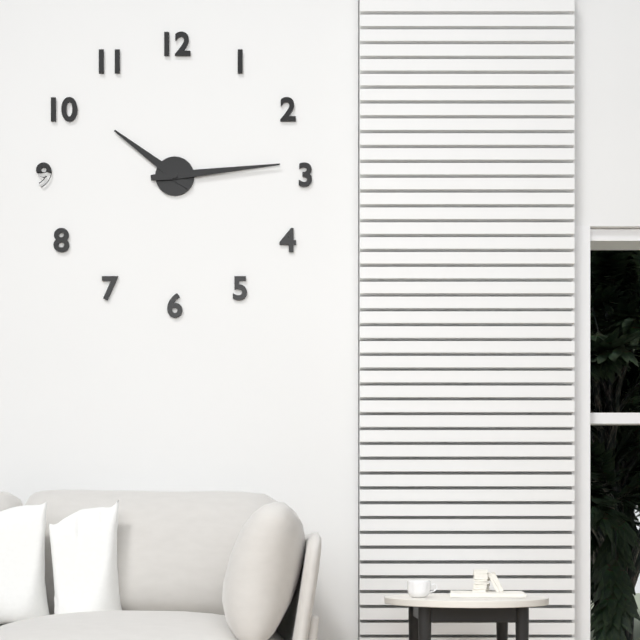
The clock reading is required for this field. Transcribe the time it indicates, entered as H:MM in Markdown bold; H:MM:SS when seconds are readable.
**10:14**
